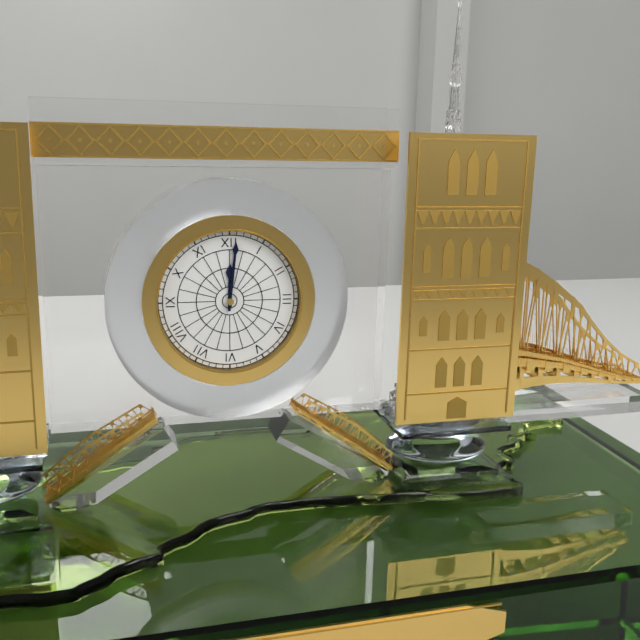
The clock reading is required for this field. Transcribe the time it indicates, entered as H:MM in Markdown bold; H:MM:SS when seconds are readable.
**12:01**
